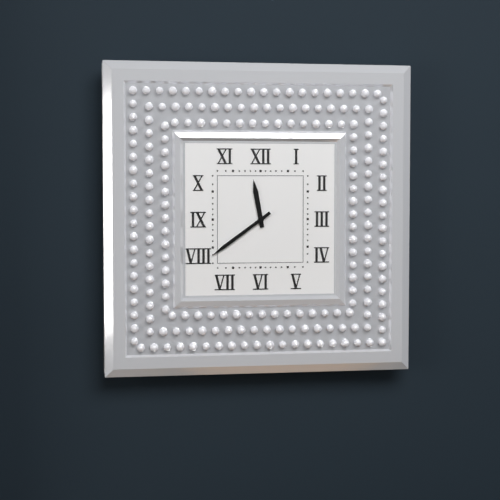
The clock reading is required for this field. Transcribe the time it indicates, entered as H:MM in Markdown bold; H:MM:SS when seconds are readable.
**11:39**
